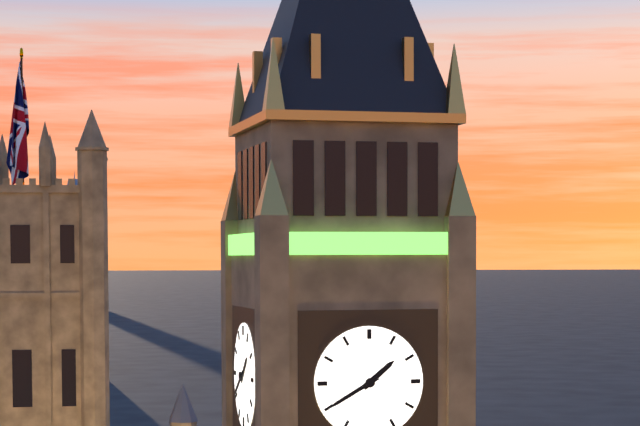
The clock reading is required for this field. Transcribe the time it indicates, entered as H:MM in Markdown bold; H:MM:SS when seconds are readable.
**1:40**
